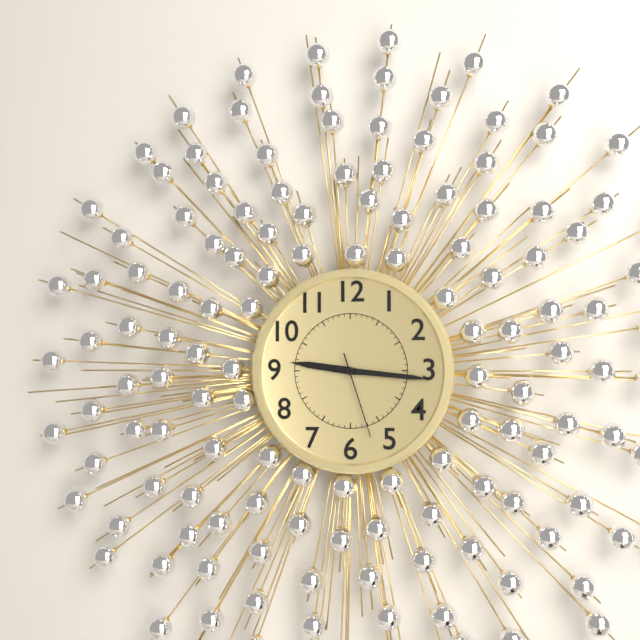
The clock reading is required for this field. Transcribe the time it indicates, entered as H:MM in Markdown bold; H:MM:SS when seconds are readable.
**9:16:27**
